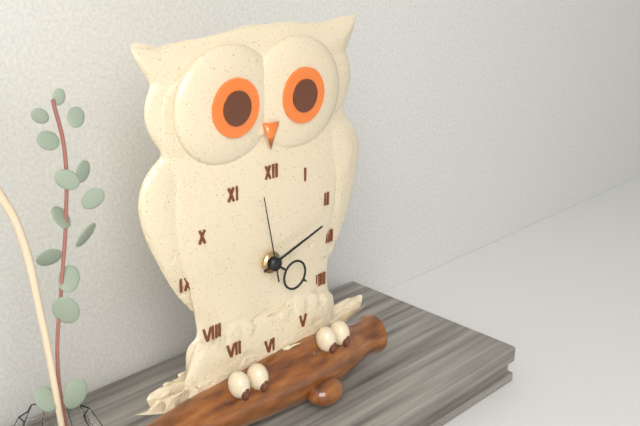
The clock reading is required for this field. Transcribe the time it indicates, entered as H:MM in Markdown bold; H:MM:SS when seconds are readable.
**4:12:58**
